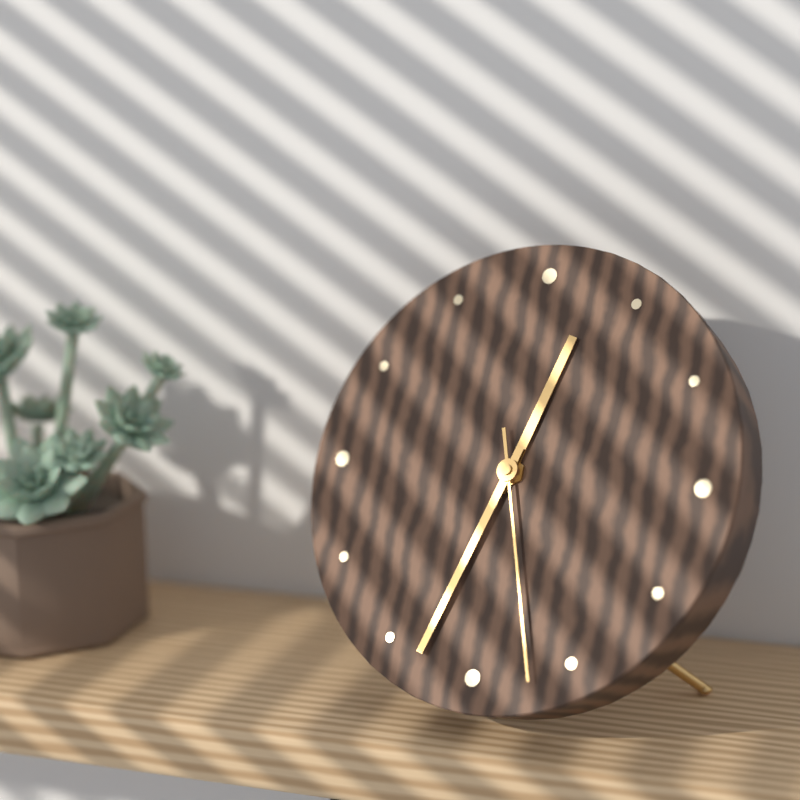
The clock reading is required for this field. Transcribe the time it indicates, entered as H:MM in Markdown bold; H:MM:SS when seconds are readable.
**12:33:27**
